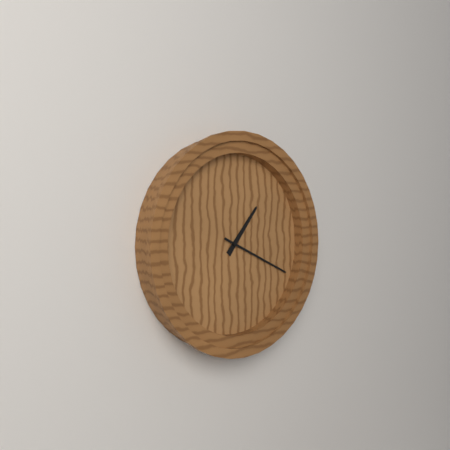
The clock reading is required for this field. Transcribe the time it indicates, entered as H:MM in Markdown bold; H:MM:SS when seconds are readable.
**1:19**
